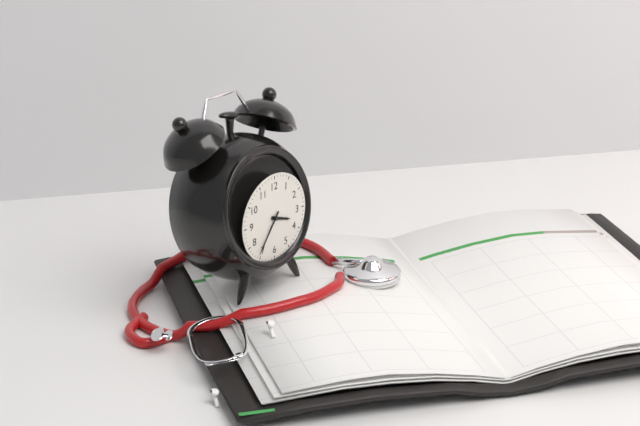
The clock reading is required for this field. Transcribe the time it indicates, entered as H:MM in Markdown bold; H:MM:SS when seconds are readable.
**3:36**
